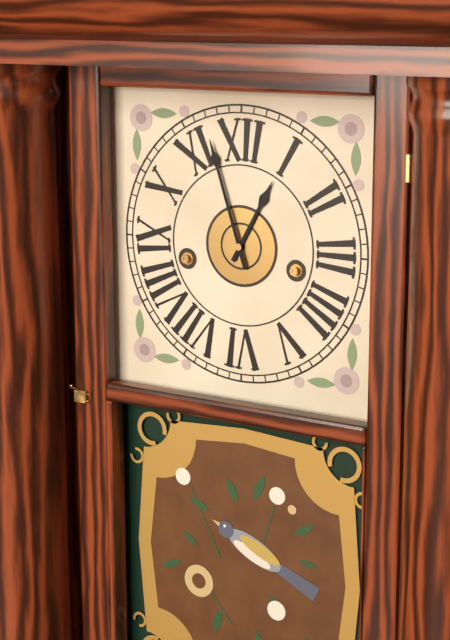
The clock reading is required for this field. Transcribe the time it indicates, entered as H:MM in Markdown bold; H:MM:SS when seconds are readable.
**12:57**
